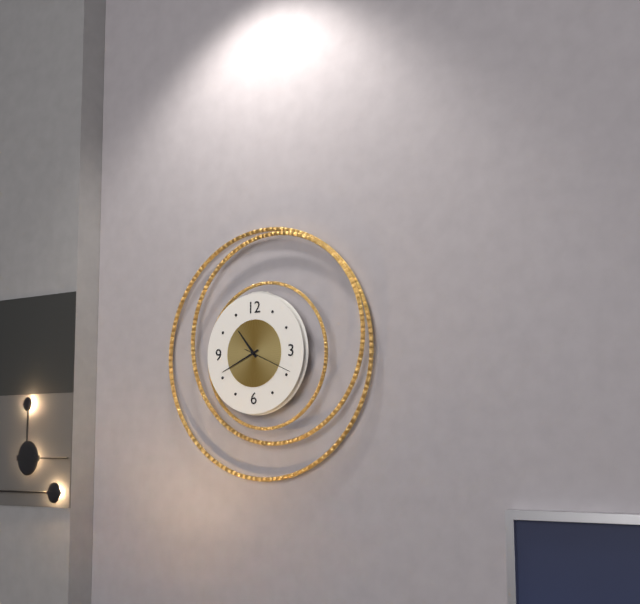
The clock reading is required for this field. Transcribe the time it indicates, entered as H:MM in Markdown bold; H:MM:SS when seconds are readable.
**10:41:19**
